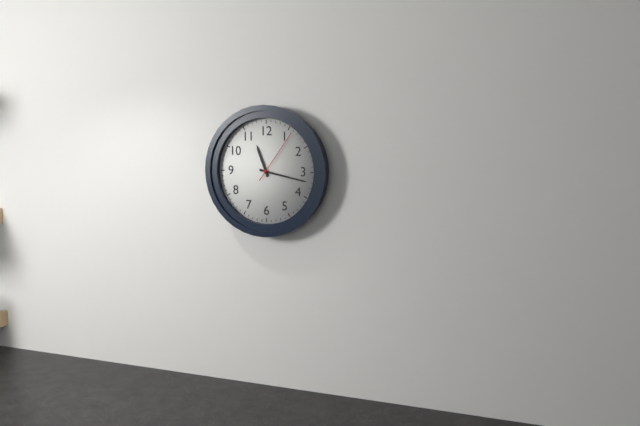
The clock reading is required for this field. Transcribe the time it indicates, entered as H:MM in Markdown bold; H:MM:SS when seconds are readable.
**11:17:06**
